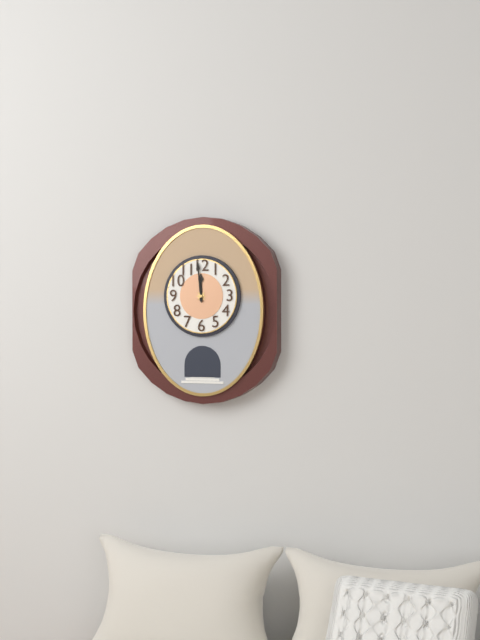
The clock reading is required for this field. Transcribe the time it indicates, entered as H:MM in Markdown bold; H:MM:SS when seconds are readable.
**11:59**
